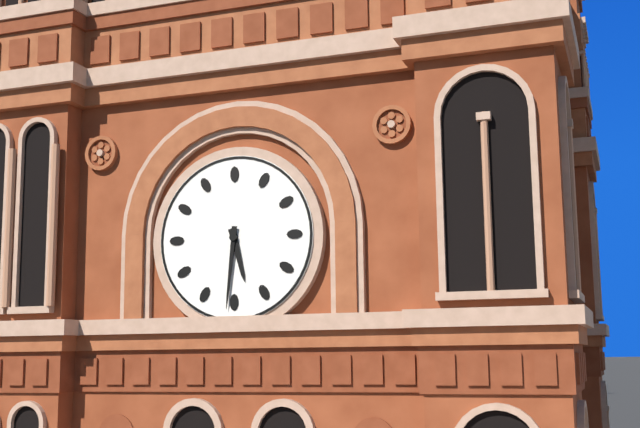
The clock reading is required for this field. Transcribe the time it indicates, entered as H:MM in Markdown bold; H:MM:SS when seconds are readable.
**5:31**
